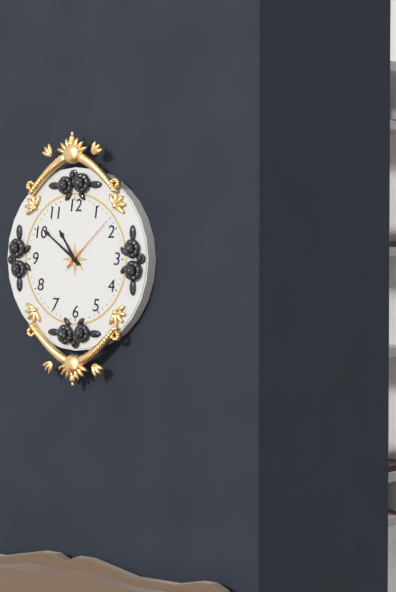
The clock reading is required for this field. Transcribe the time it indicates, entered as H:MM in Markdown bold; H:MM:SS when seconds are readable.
**10:51:08**
